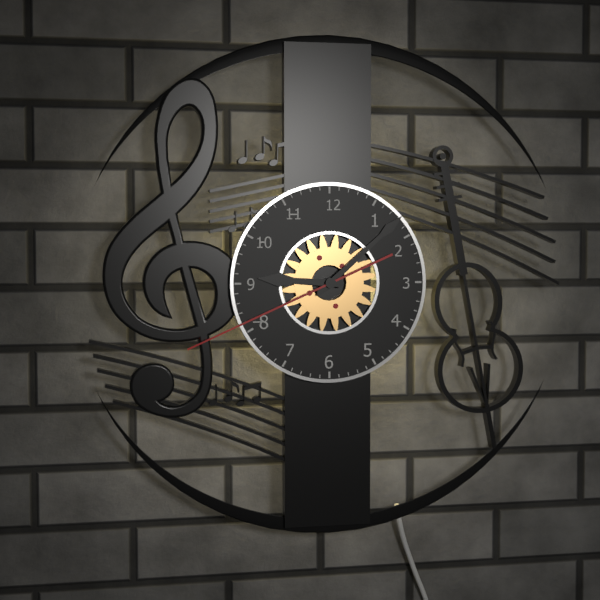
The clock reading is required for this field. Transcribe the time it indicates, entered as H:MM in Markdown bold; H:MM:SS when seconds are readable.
**9:08:41**
